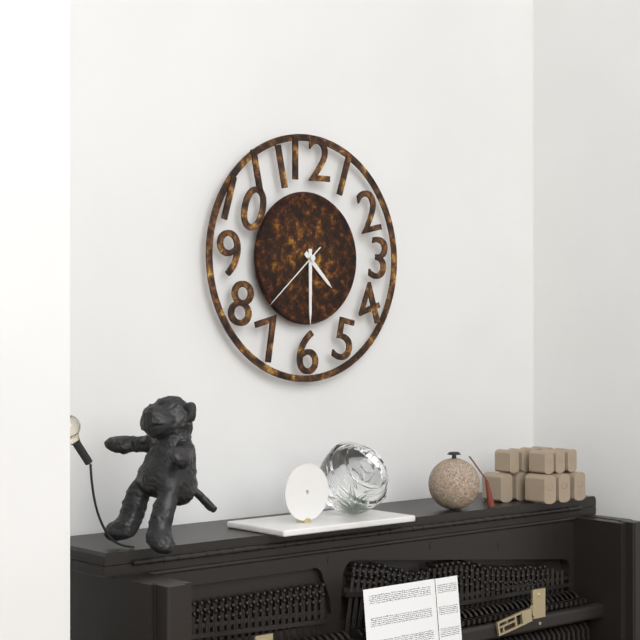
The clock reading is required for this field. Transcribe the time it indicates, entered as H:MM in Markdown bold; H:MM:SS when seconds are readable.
**4:30:38**
